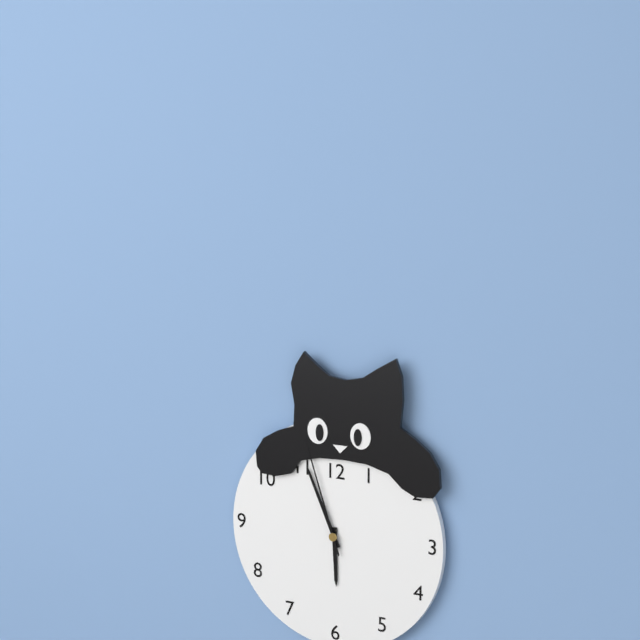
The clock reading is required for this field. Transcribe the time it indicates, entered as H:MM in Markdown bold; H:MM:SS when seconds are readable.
**5:56:57**
